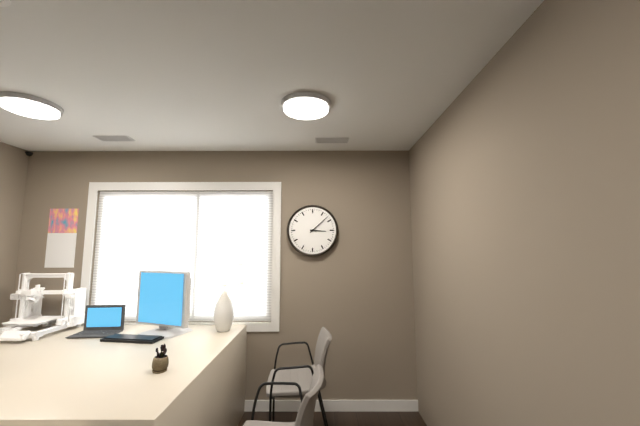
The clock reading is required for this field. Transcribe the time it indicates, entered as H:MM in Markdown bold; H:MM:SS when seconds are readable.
**3:08**
